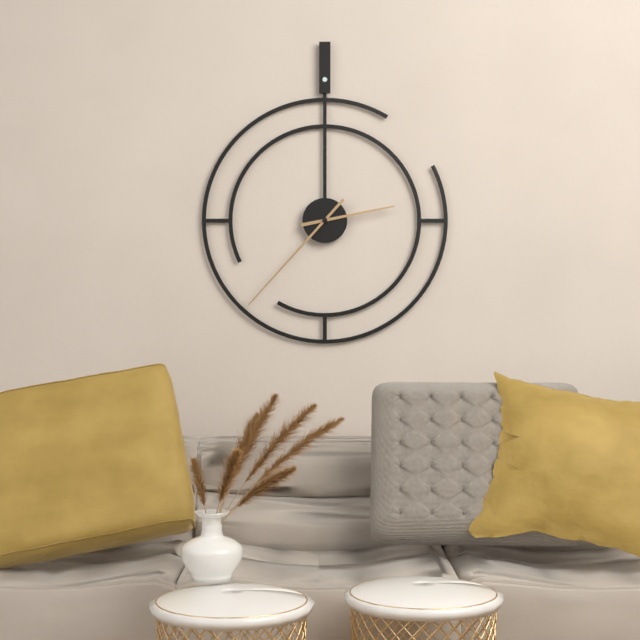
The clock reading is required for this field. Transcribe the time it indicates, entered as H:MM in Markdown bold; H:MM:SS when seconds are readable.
**2:37**
